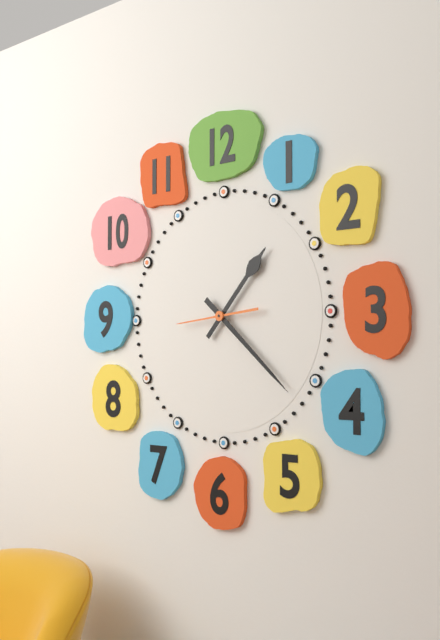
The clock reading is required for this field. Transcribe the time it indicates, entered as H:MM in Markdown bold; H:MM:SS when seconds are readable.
**1:22:44**
